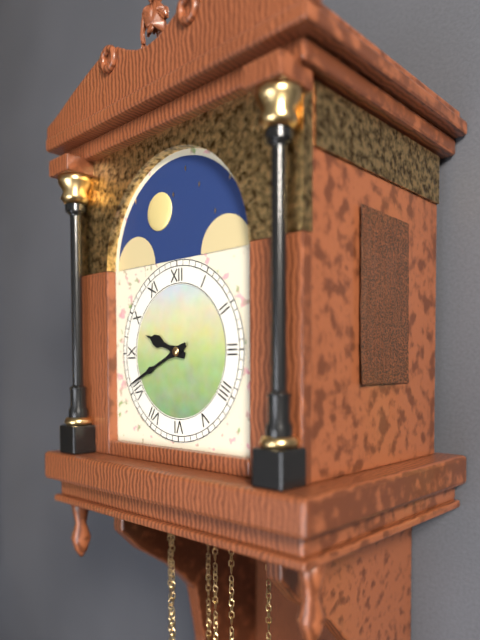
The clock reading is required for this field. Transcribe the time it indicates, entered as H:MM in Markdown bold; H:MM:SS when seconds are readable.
**9:41**
